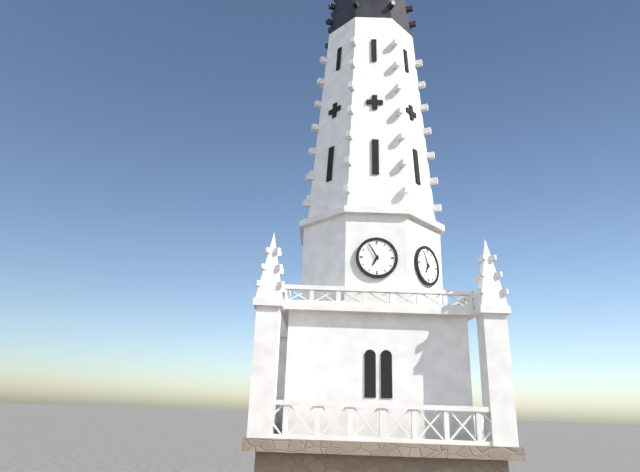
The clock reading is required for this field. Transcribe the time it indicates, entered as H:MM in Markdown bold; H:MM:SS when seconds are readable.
**6:55**
